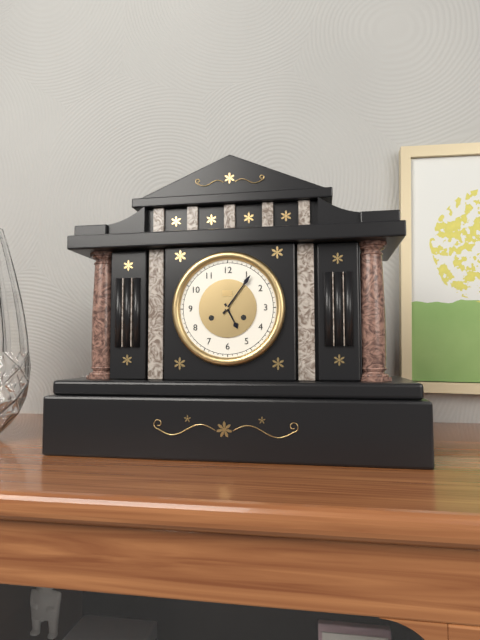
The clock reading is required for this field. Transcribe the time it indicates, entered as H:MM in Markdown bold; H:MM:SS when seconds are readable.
**5:06**
